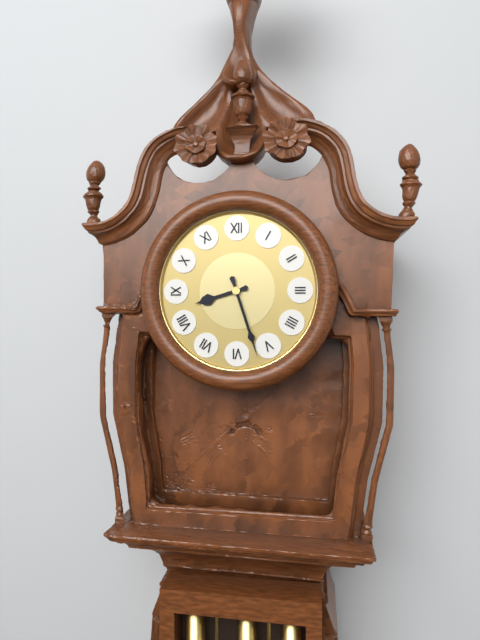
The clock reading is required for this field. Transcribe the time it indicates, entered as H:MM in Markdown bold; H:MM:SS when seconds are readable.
**8:27**
